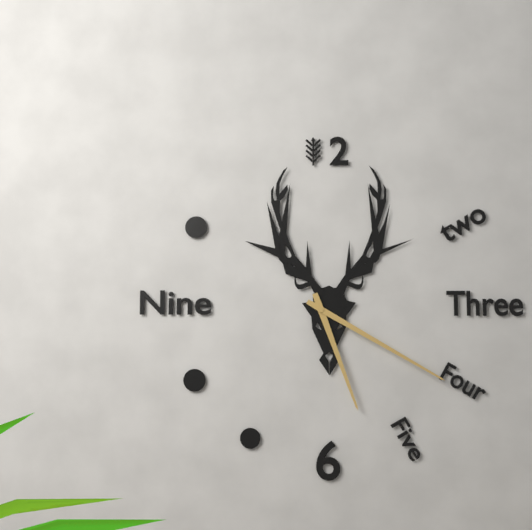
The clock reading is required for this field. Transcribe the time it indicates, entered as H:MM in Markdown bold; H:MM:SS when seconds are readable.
**5:20**
